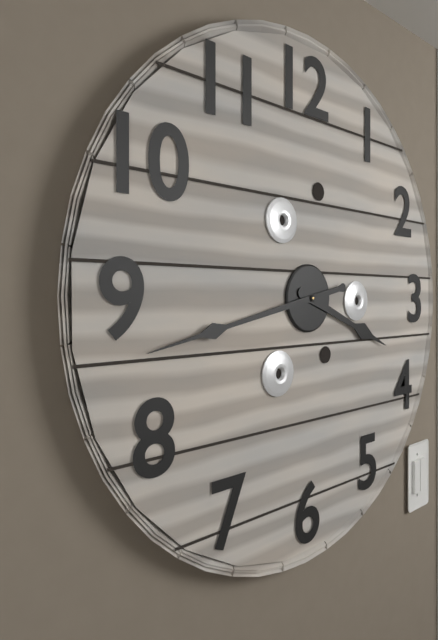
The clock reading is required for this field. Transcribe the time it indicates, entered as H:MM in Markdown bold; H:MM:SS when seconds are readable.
**3:43**
